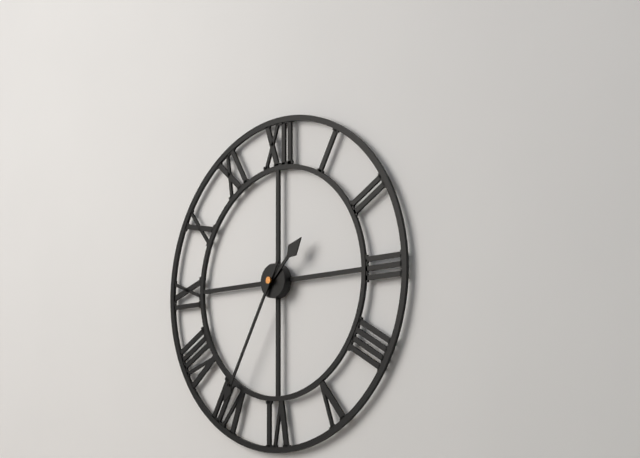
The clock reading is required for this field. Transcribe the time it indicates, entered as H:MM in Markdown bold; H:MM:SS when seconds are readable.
**1:35**
